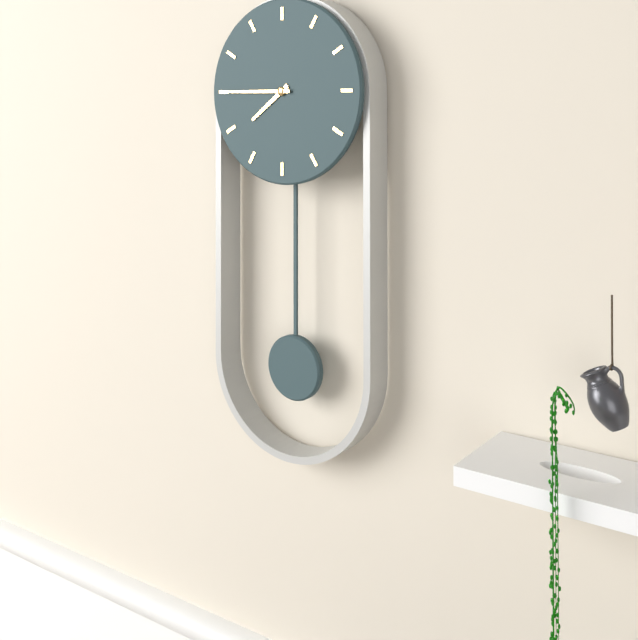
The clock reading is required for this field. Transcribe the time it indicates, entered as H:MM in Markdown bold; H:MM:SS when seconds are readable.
**7:45**
